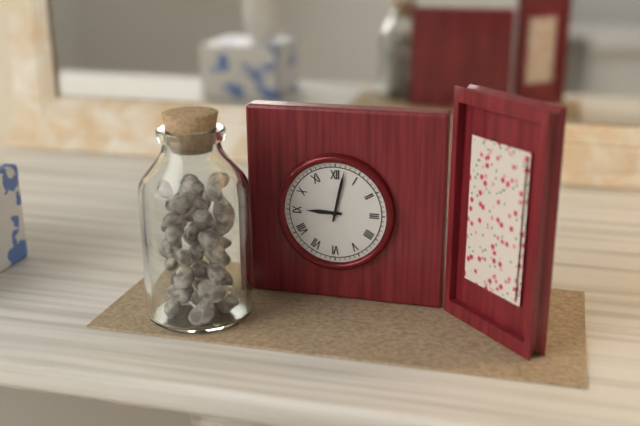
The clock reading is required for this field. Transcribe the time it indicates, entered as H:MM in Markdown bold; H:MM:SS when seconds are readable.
**9:02**
